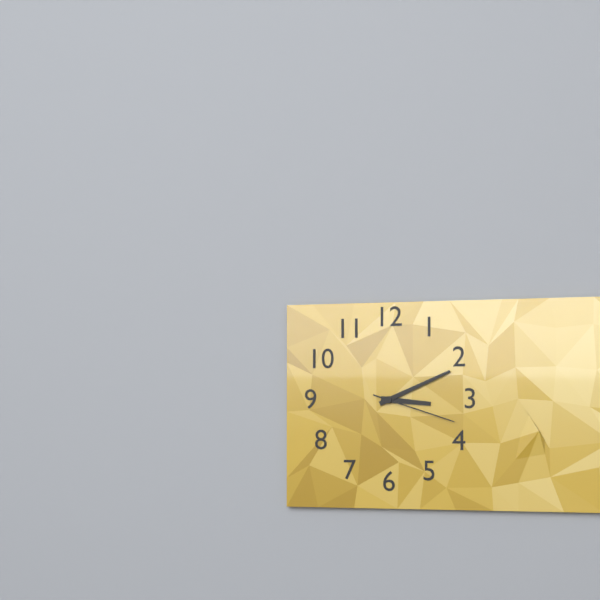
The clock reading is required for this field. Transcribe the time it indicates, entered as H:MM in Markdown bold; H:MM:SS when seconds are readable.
**3:11:18**
